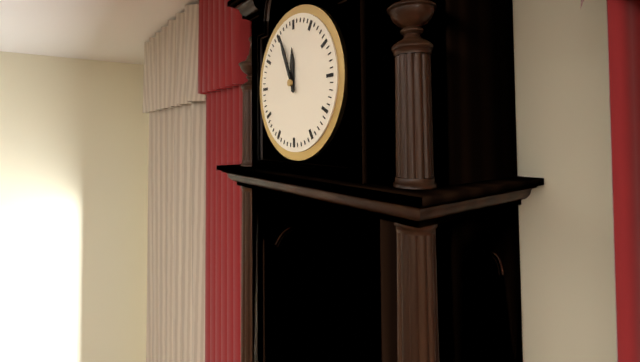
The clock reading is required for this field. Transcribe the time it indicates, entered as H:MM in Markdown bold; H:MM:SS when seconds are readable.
**11:56**
